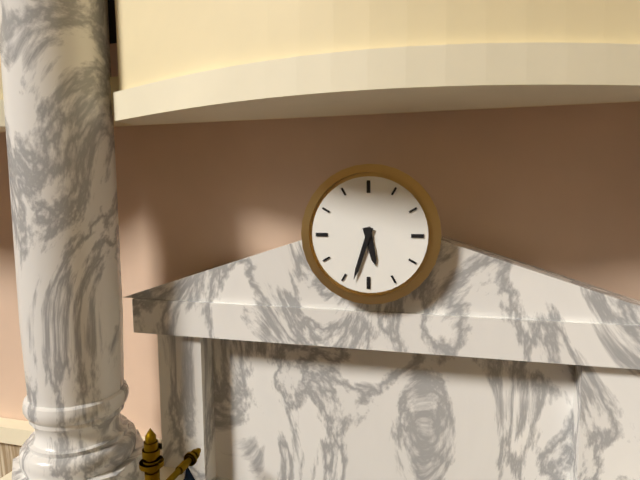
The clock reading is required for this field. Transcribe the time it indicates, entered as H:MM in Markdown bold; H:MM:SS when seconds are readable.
**5:33**
